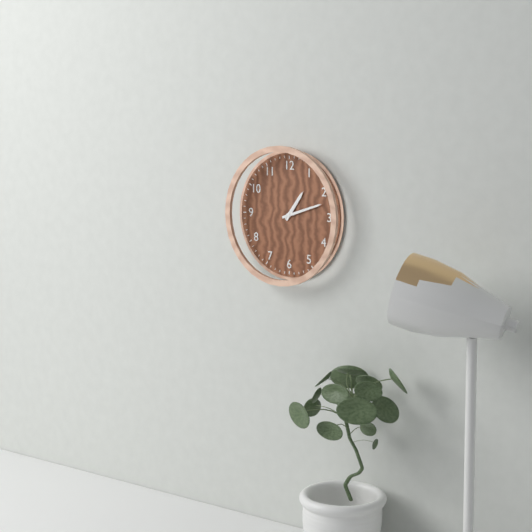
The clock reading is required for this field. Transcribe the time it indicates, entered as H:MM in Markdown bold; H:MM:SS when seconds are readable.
**1:12**
